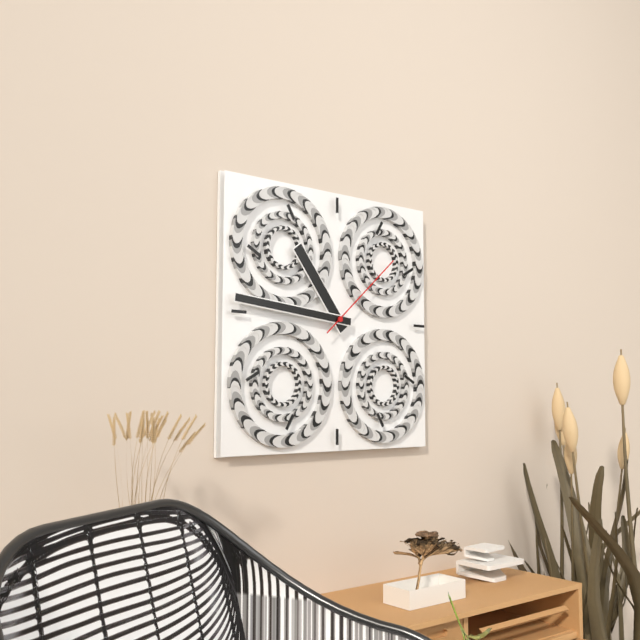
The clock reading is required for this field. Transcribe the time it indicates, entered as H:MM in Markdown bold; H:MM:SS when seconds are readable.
**10:46:08**
